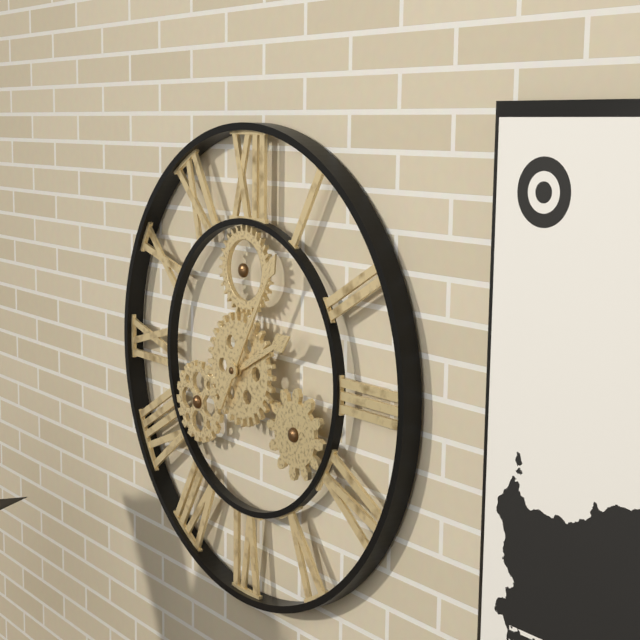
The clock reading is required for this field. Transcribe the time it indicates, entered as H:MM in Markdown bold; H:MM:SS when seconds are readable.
**2:05**
